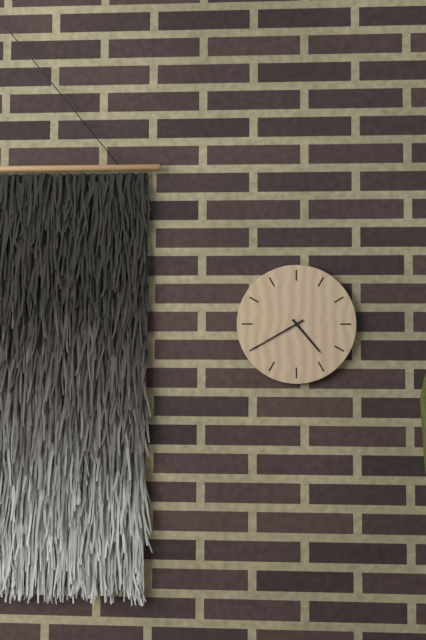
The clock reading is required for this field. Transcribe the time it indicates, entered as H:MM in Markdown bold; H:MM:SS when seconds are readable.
**4:40**
